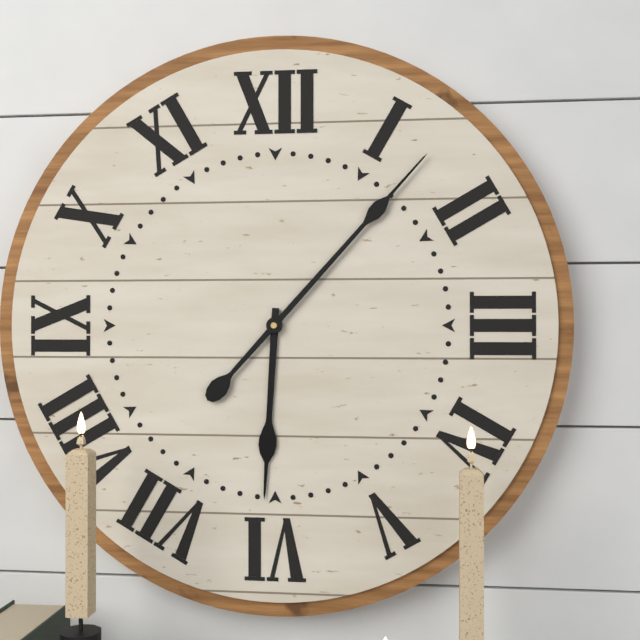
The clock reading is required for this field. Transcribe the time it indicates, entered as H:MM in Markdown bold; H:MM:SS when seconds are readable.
**6:07**
